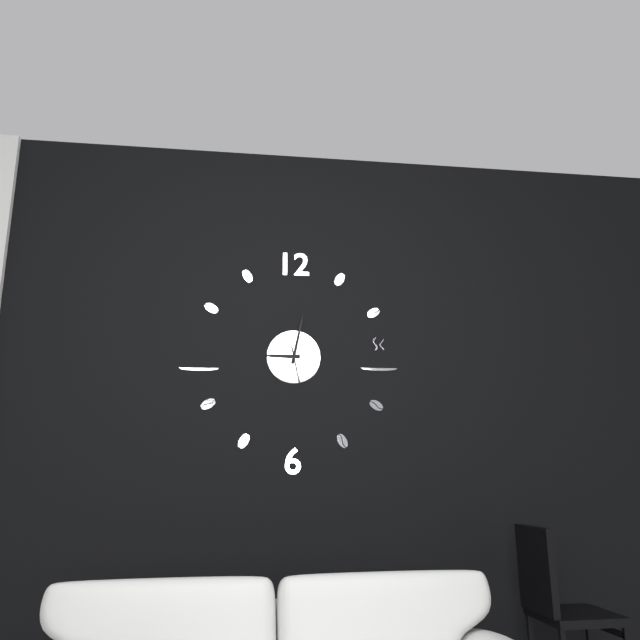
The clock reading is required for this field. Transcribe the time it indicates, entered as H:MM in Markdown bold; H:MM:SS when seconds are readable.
**9:02:28**
